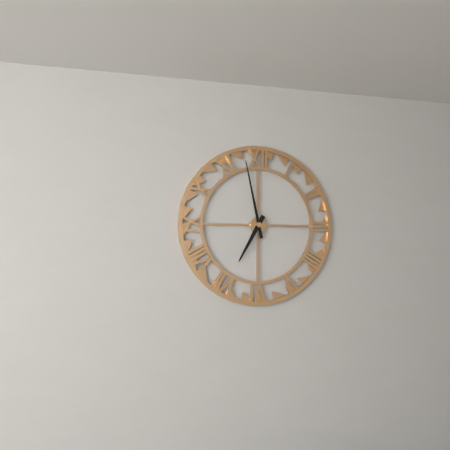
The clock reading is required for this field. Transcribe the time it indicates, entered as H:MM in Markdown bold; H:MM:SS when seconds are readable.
**6:58**
